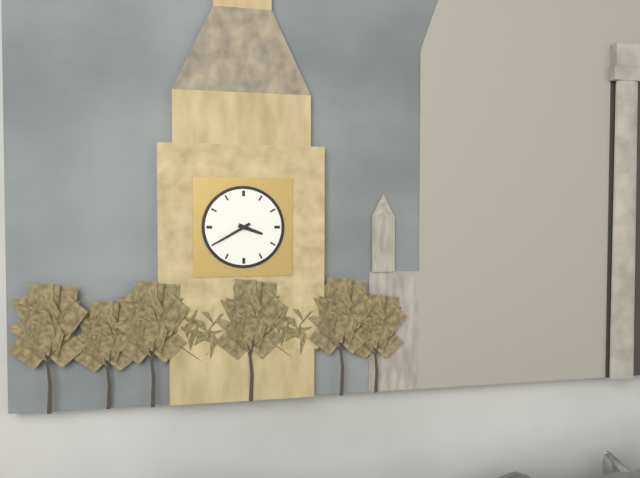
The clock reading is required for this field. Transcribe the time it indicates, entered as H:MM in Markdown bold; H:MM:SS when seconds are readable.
**3:40**
